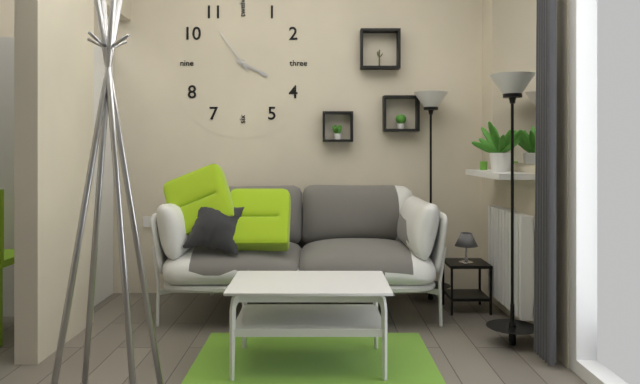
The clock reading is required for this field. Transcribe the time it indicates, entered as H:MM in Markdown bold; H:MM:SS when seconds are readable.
**3:54**
